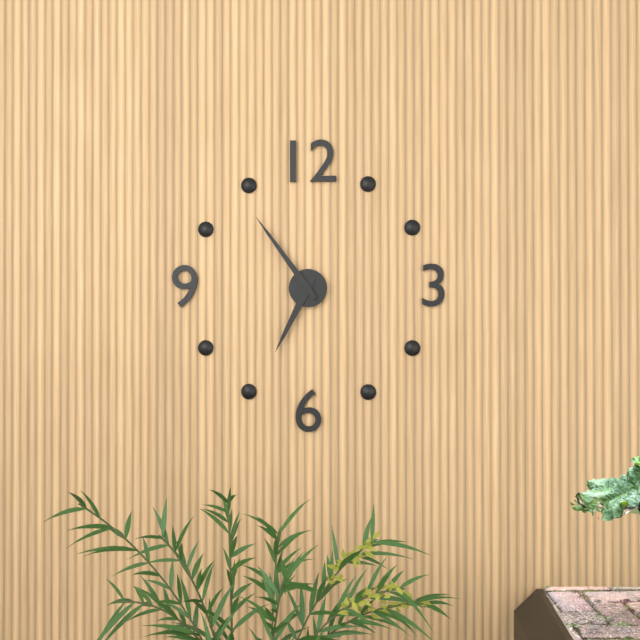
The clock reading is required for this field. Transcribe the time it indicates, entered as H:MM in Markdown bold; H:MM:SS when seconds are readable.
**6:54**
